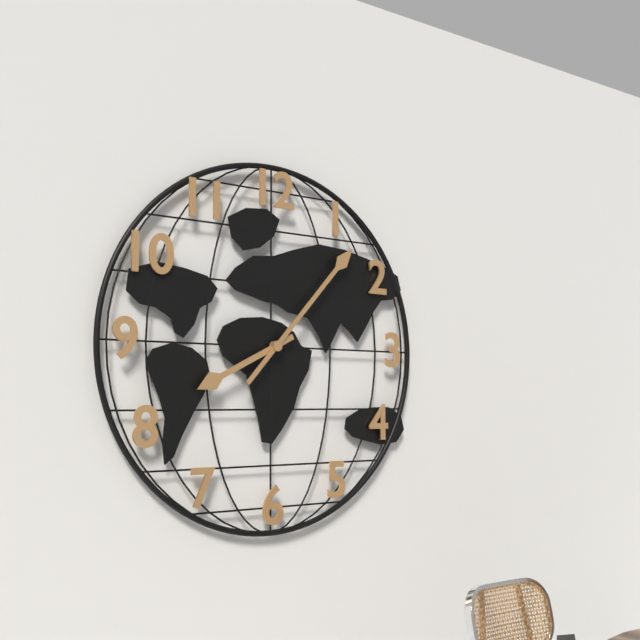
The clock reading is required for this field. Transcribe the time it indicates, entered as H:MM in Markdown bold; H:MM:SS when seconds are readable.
**8:07**
